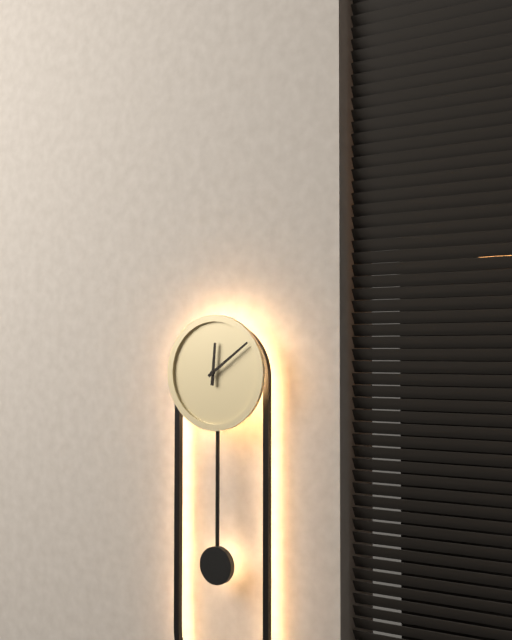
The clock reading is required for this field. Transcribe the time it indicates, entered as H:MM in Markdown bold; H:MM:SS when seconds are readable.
**12:09**
